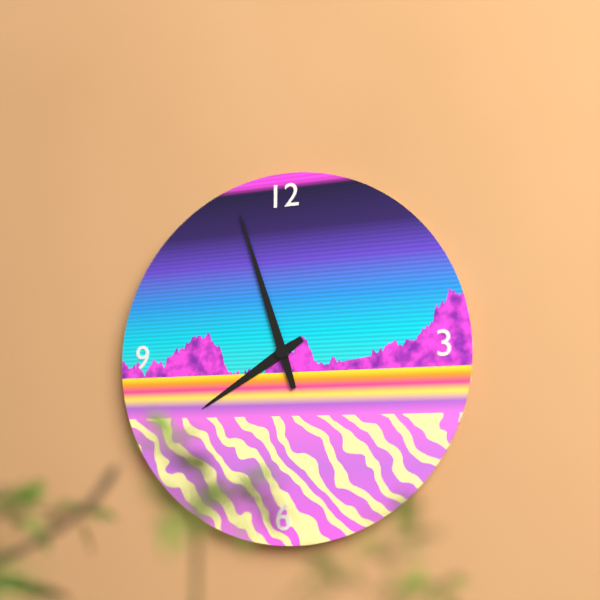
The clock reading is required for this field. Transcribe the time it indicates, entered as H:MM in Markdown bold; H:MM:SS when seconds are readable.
**7:57**
